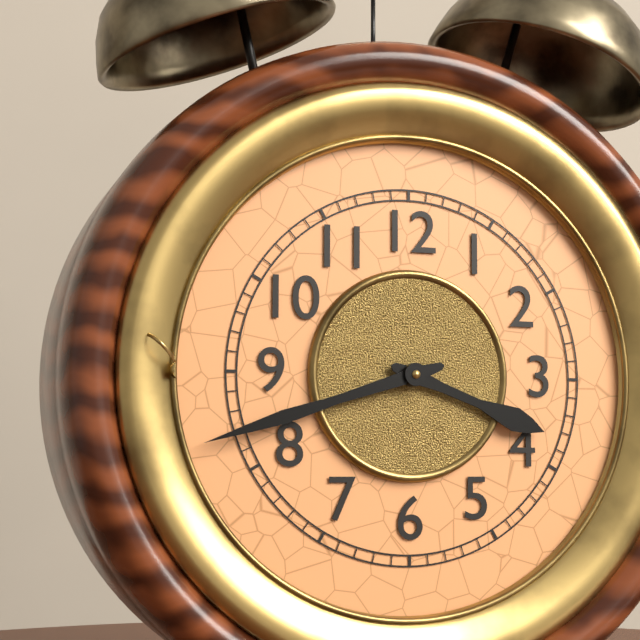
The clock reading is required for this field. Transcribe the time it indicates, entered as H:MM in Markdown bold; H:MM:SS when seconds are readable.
**3:42**
